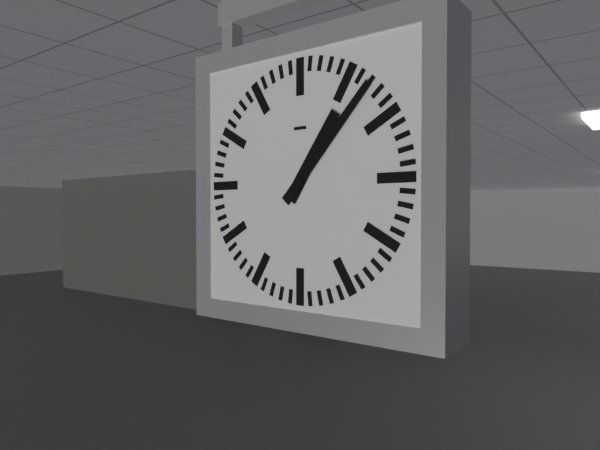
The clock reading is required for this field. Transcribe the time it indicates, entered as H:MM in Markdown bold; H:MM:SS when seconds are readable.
**1:07**
